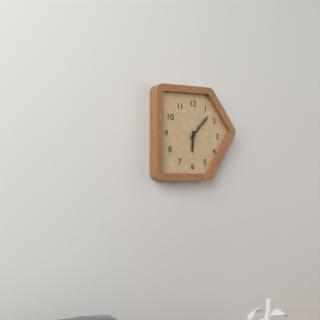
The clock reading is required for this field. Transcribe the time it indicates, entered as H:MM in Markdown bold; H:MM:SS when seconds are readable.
**6:07**
